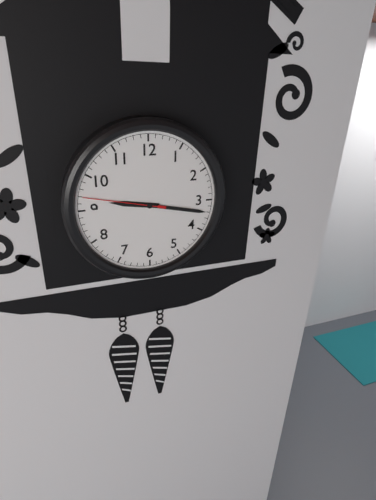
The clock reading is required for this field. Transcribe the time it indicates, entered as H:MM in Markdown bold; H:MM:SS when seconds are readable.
**9:17:47**
